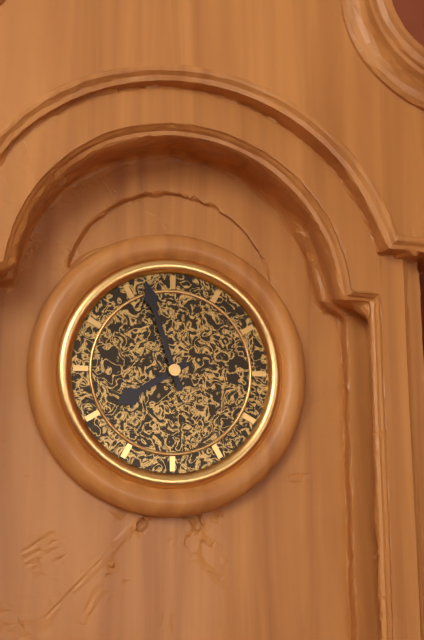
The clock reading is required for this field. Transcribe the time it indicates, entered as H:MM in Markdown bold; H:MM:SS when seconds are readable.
**7:57**
